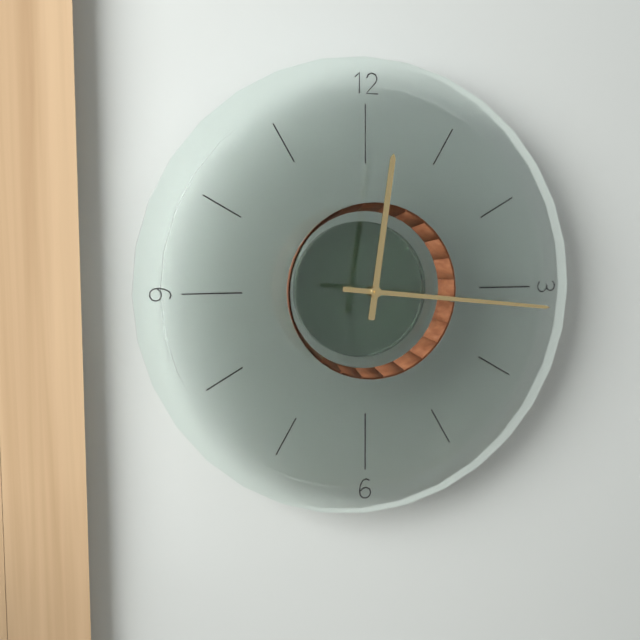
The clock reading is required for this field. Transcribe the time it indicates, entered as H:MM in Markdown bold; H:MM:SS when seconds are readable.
**12:16**
